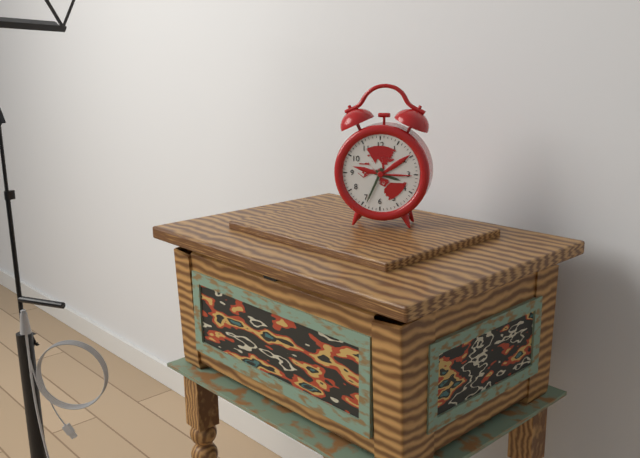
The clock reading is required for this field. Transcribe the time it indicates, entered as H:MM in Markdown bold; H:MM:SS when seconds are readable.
**3:34**
